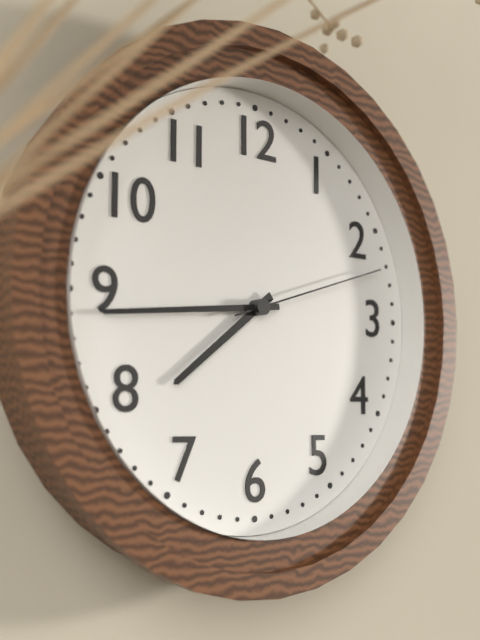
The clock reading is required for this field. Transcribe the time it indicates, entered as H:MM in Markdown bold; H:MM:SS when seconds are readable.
**7:44:12**
